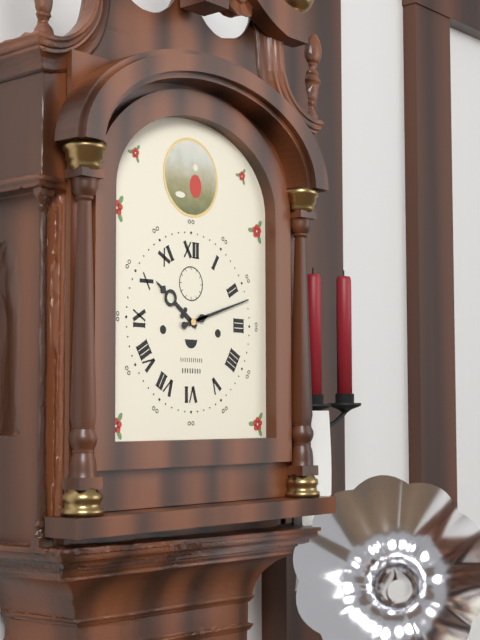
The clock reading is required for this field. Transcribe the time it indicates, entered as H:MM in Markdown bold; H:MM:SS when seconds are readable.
**10:12**
